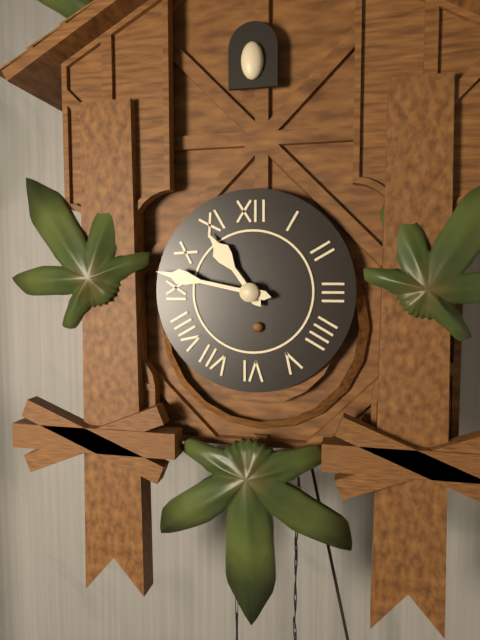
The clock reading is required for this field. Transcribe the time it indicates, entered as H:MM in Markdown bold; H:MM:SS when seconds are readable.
**10:47**
